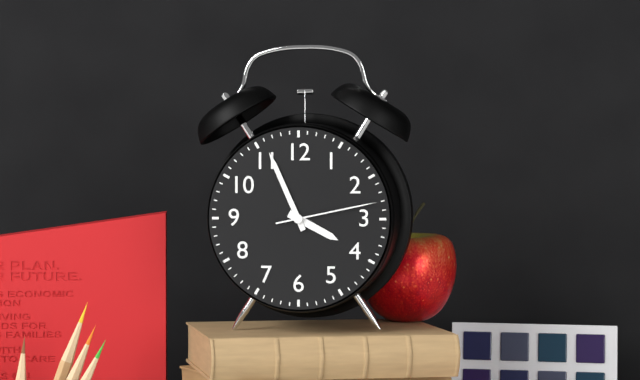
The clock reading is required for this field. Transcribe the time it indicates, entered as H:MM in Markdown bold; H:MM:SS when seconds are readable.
**3:56:13**
